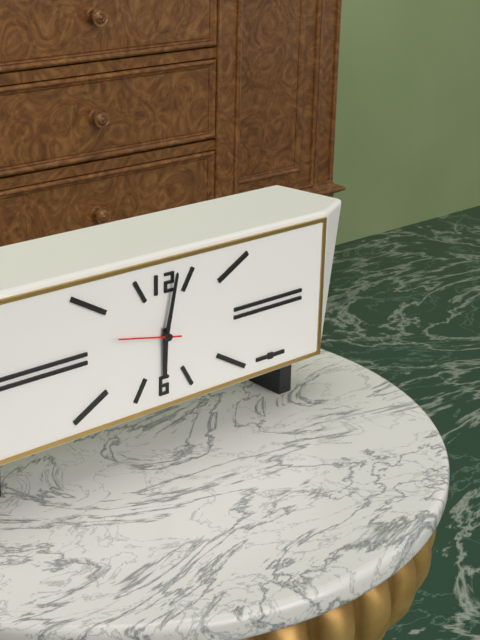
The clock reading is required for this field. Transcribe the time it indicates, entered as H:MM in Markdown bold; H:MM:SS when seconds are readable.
**6:02:47**
